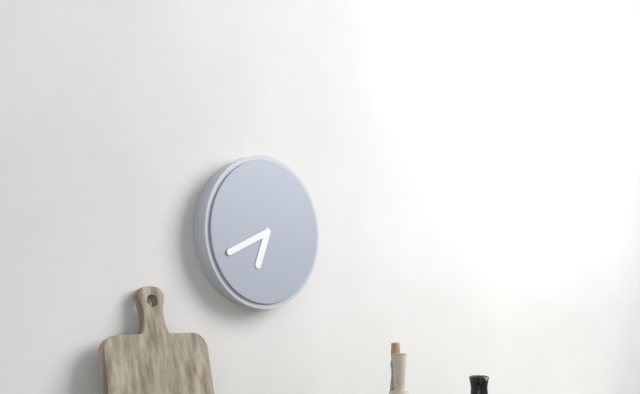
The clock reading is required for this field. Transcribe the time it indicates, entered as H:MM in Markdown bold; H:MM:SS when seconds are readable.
**6:41**
